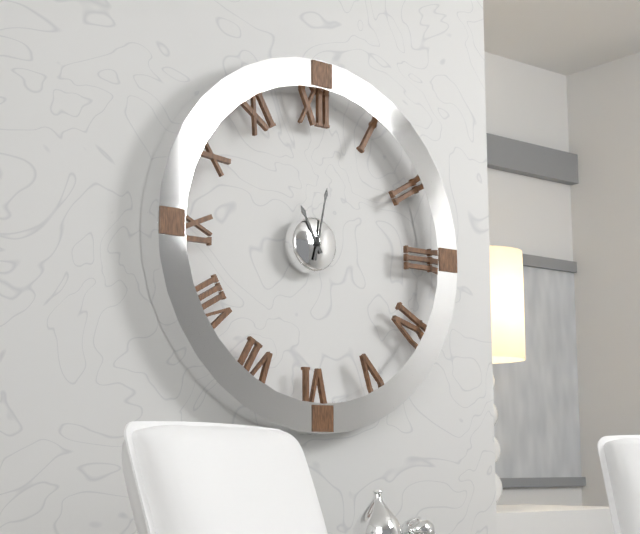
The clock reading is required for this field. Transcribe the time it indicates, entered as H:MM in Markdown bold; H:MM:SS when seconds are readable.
**11:02**
